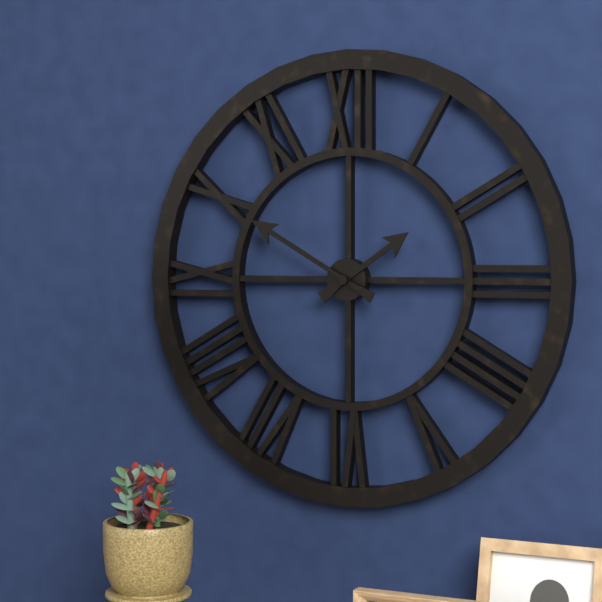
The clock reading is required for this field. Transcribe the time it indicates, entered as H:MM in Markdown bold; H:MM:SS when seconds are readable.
**1:50**
